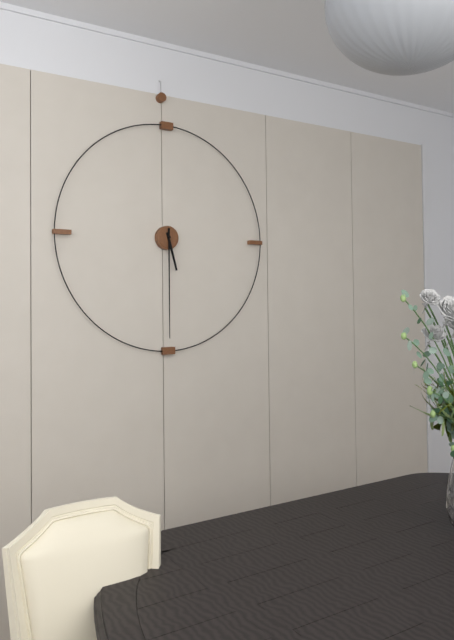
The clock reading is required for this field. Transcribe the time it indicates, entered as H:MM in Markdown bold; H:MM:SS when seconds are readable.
**5:30**
